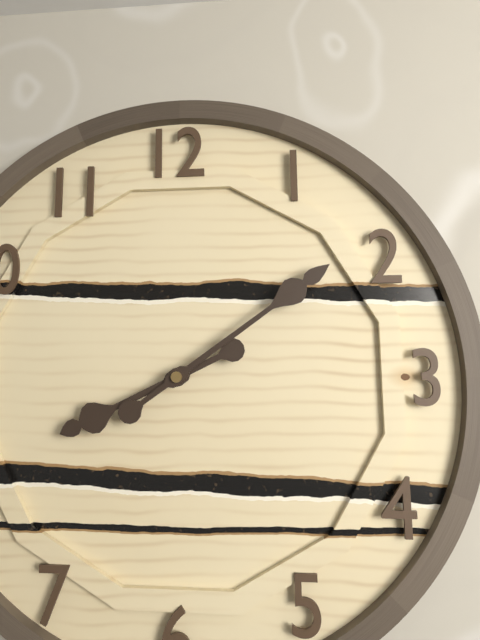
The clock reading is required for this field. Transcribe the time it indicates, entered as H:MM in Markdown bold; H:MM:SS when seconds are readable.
**8:09**
